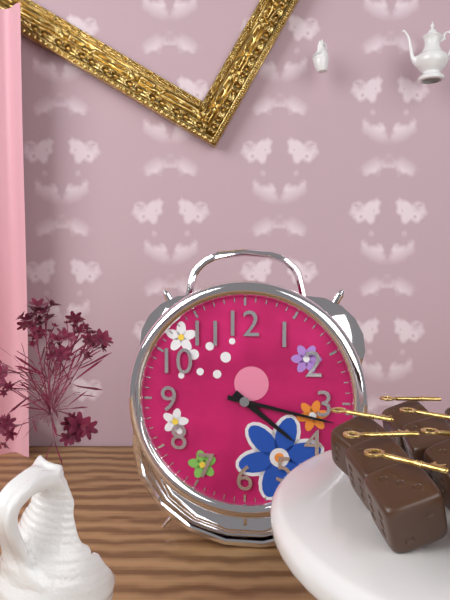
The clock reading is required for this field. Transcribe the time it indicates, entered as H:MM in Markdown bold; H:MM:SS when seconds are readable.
**4:17**
